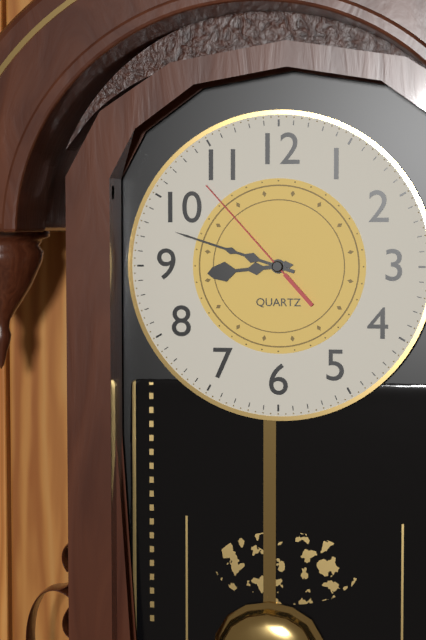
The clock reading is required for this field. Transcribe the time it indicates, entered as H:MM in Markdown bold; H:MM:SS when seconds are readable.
**8:48:53**
